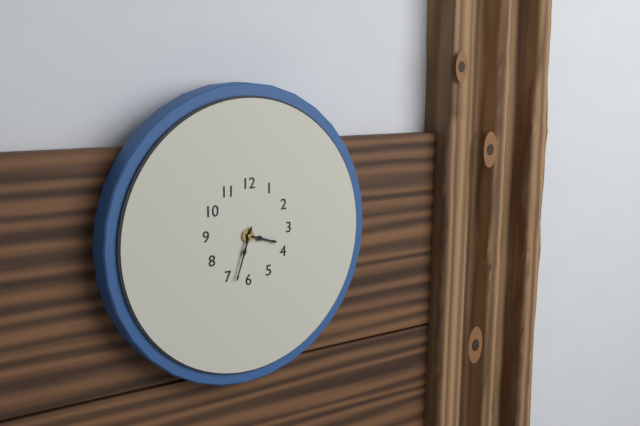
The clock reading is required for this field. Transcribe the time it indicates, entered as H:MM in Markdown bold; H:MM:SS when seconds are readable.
**3:33**
